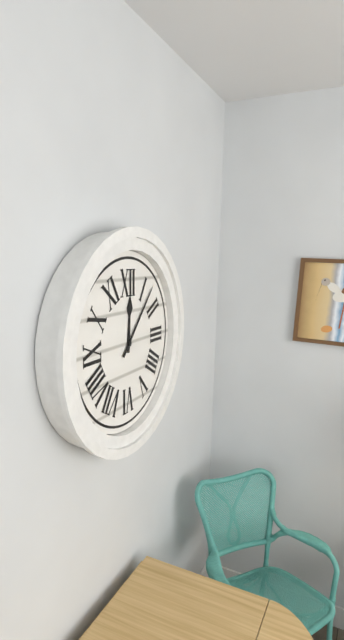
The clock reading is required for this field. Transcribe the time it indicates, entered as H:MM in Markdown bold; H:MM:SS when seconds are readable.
**12:07**
